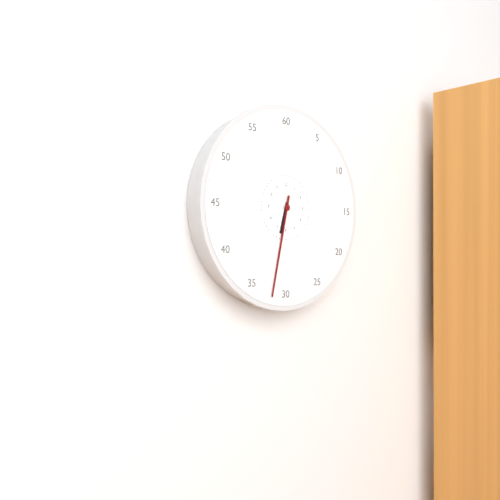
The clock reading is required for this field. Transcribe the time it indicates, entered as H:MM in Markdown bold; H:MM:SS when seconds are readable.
**6:32**
